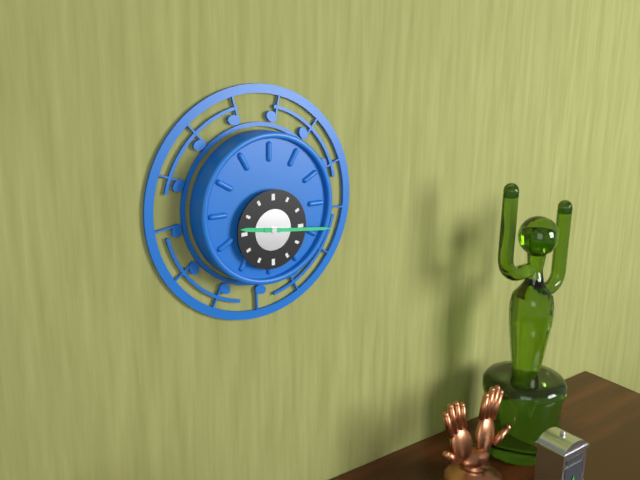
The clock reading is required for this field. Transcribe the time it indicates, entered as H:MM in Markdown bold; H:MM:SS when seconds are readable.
**9:16**
